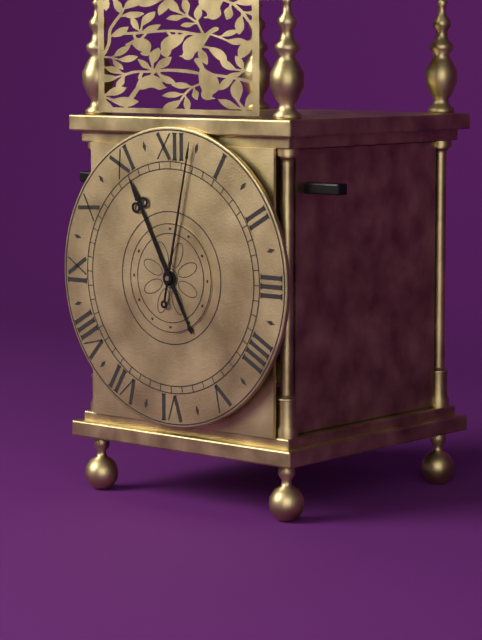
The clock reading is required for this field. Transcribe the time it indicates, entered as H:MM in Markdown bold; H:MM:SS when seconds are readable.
**11:02**
